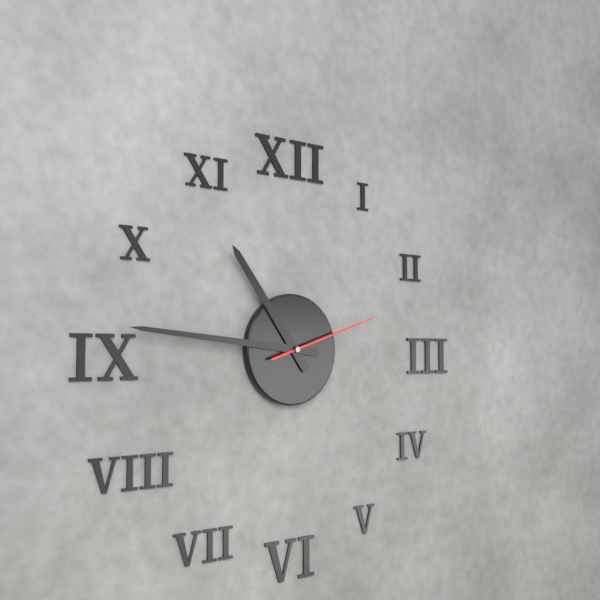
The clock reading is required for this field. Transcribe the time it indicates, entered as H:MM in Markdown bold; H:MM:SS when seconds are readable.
**10:46:12**
